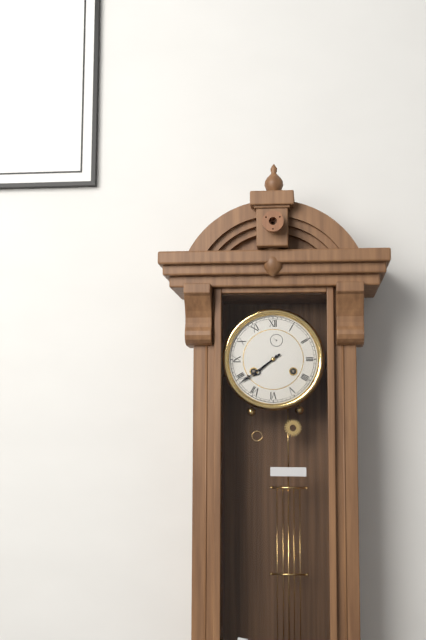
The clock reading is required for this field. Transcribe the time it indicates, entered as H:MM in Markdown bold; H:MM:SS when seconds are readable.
**7:39**
